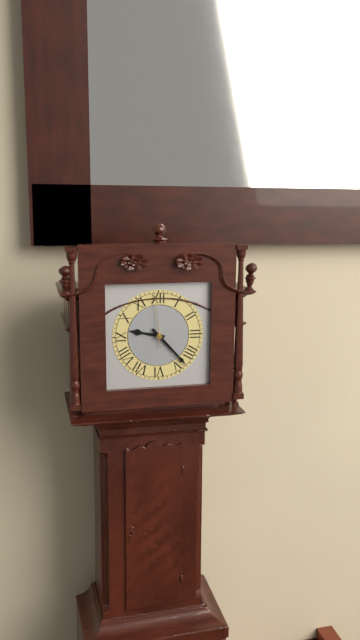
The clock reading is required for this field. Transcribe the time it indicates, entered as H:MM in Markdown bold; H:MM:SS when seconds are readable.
**9:23:59**
